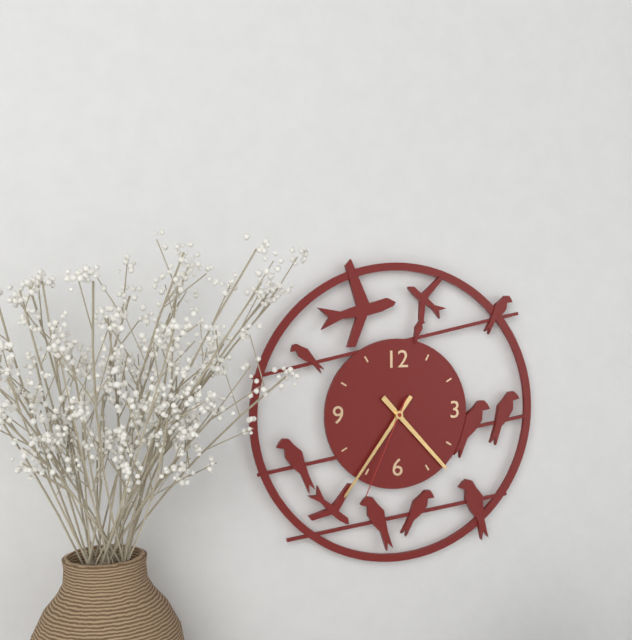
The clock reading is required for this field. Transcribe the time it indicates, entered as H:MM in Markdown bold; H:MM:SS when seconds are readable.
**4:36:34**
